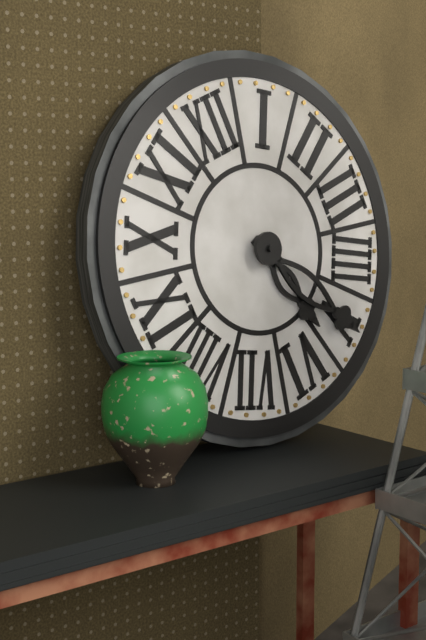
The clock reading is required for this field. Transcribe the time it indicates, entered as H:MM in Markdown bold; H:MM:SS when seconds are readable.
**5:25**
